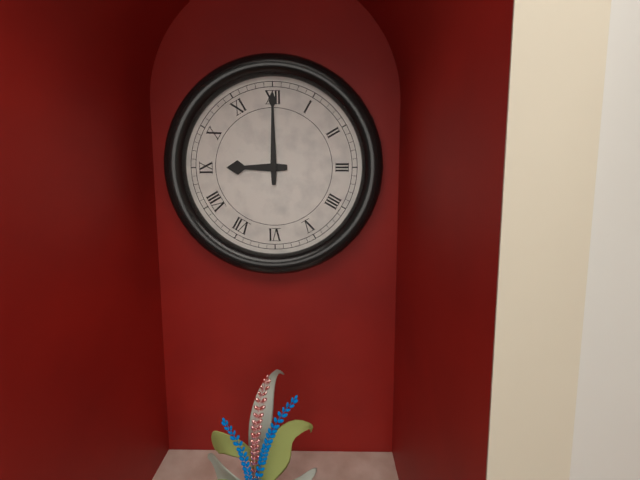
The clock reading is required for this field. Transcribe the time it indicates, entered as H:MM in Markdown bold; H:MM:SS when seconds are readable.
**9:00**
